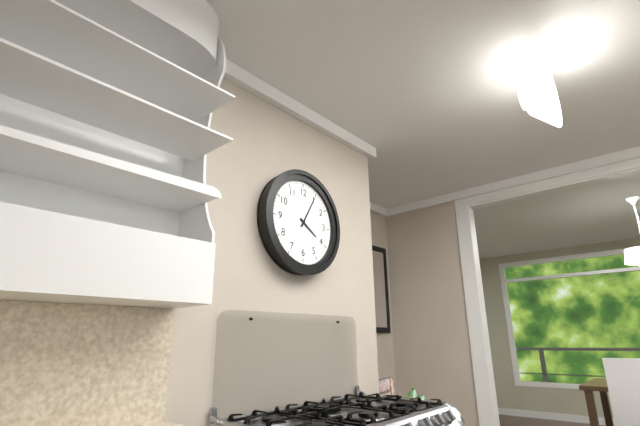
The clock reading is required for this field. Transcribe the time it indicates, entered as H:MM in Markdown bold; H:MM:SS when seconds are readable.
**4:05**
